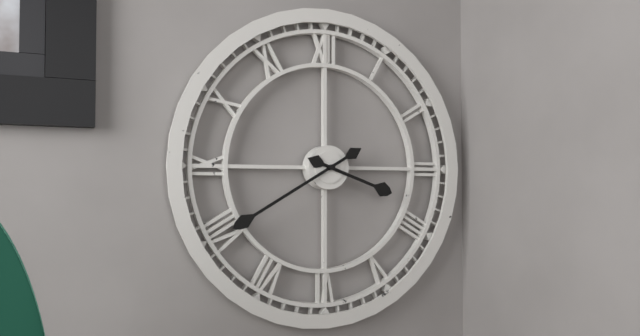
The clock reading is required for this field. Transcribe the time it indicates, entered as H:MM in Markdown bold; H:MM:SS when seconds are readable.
**3:40**
